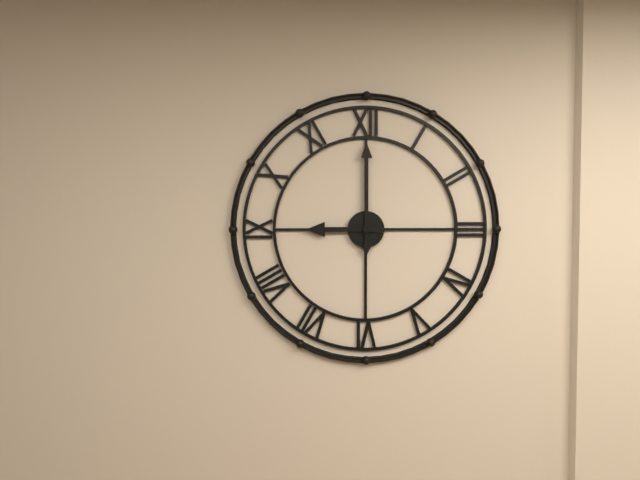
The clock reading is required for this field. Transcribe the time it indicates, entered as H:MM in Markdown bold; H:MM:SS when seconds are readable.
**9:00**
